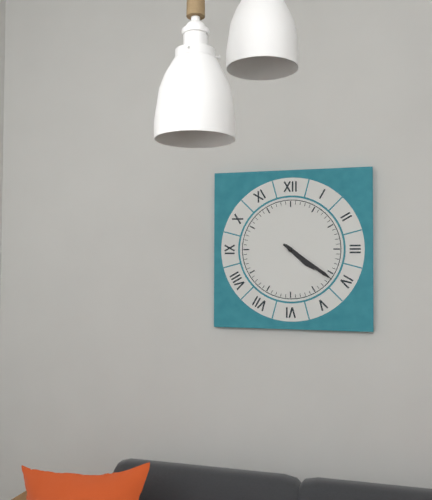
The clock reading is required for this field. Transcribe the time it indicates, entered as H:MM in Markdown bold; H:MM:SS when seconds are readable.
**4:21**
